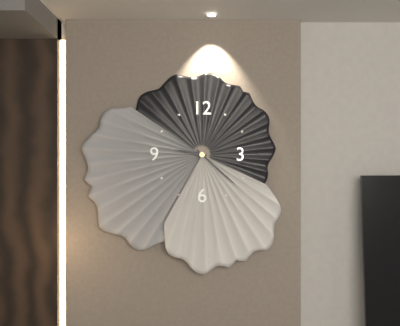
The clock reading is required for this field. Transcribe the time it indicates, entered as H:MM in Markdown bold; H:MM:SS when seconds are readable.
**9:22**
